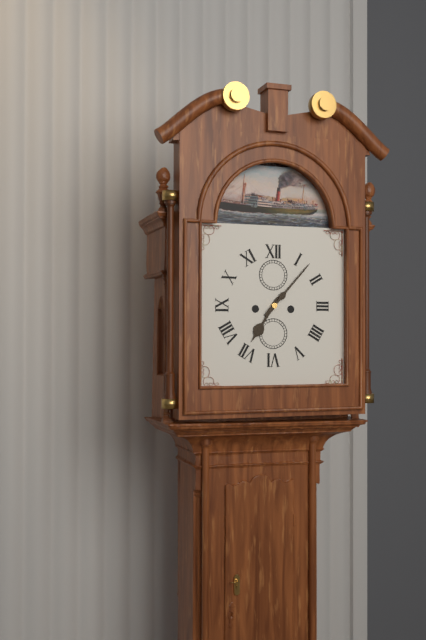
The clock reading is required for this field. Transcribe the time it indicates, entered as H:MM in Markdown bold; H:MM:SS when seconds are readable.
**7:07**
